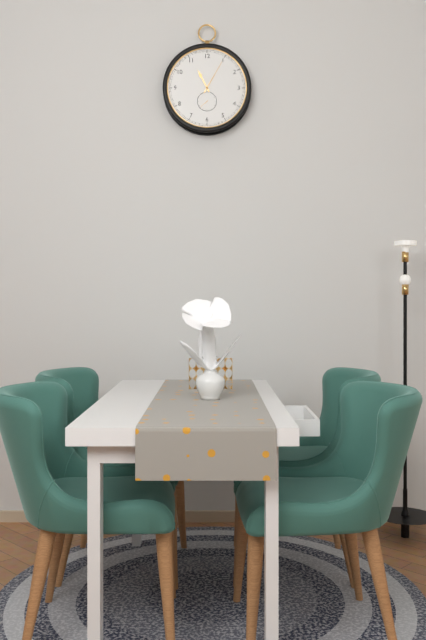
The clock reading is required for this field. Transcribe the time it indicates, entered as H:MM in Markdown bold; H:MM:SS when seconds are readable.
**11:05**
